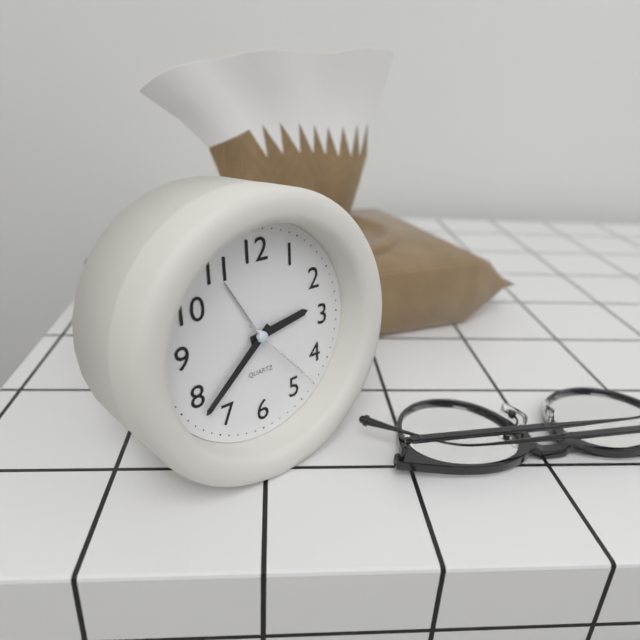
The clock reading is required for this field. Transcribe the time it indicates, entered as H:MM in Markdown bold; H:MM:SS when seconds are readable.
**2:38:23**
